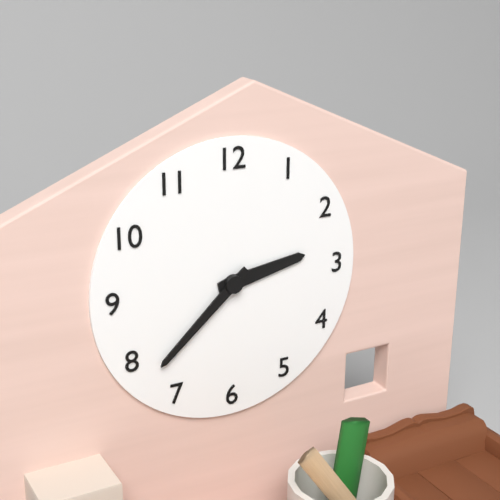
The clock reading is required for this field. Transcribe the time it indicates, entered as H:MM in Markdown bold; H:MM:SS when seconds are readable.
**2:38**
